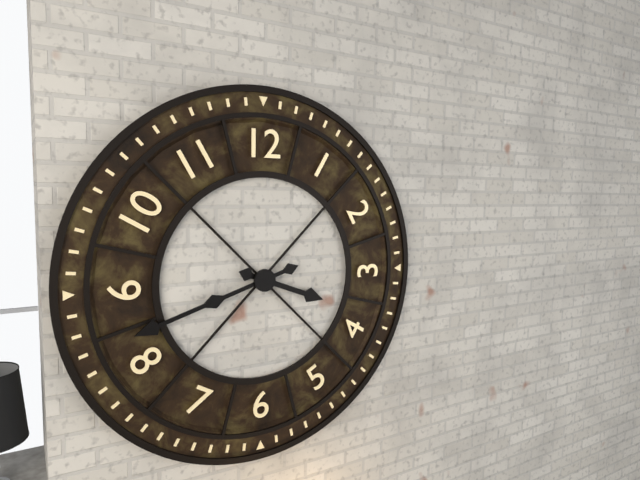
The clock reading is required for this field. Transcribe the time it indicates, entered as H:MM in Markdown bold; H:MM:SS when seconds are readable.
**3:42**
